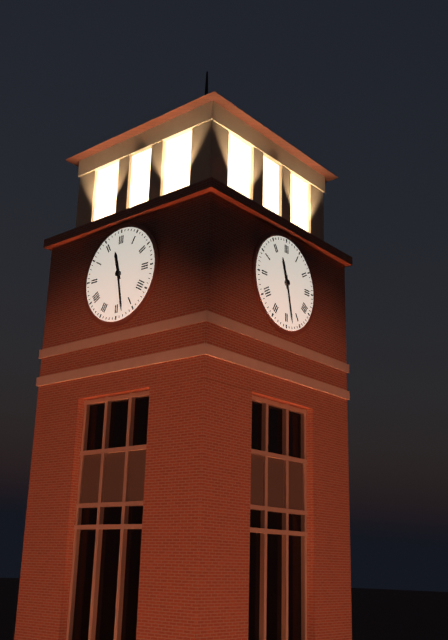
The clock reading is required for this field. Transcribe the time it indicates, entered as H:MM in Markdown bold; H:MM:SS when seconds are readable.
**11:28**
